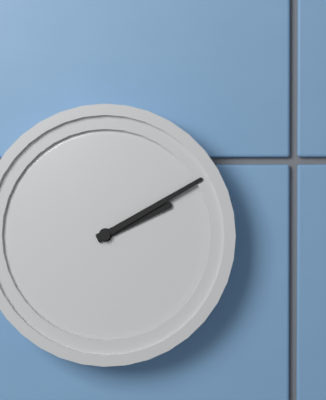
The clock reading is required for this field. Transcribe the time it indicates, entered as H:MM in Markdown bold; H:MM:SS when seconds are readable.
**2:10**
